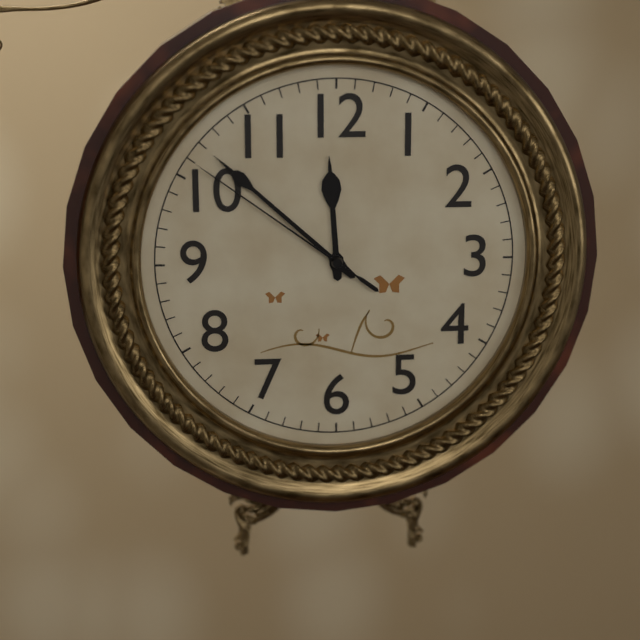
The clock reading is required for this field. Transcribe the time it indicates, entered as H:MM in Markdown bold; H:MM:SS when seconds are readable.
**11:52:51**
